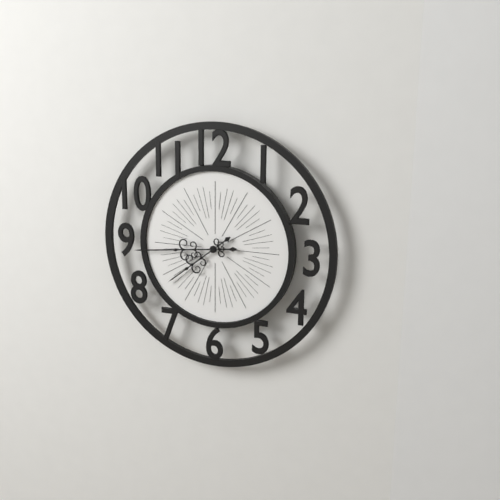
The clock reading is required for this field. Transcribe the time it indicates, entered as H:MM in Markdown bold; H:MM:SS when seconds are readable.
**7:44**
